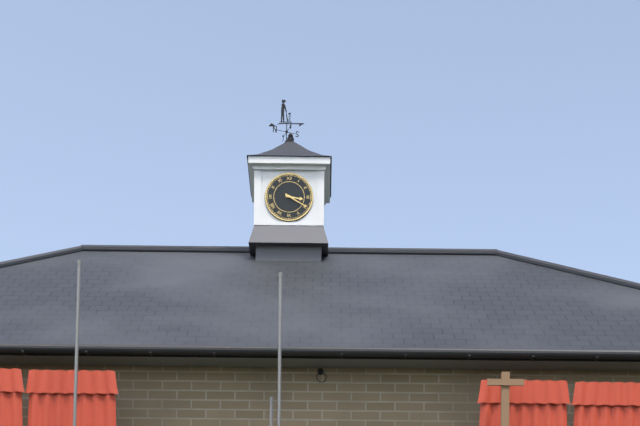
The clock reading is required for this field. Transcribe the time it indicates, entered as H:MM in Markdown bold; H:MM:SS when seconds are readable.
**3:20**
